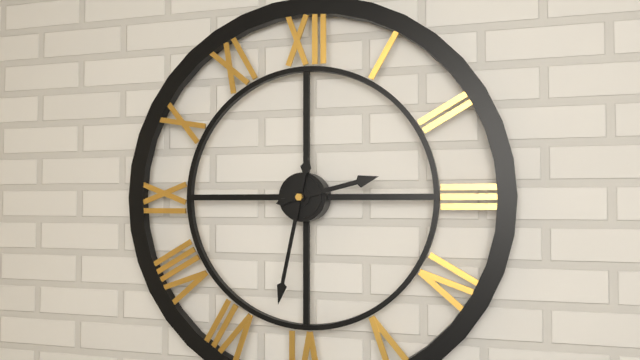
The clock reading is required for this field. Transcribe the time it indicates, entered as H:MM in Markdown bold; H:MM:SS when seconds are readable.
**2:32**
